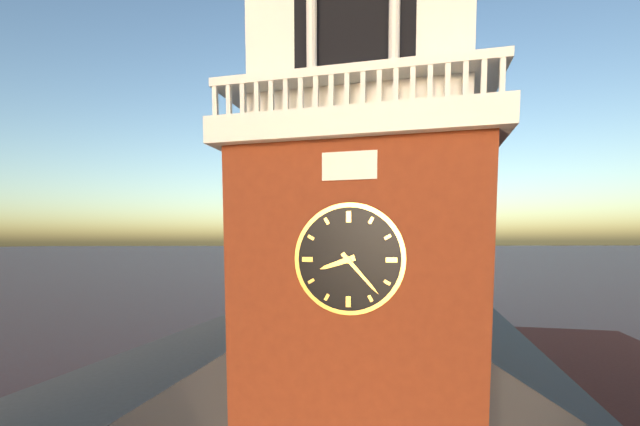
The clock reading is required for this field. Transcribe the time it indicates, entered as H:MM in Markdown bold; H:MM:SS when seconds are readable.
**8:23**
